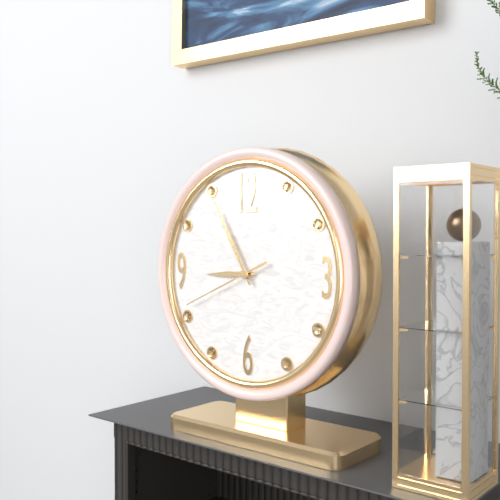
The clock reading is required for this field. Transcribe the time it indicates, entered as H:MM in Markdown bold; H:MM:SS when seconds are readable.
**8:55:41**
